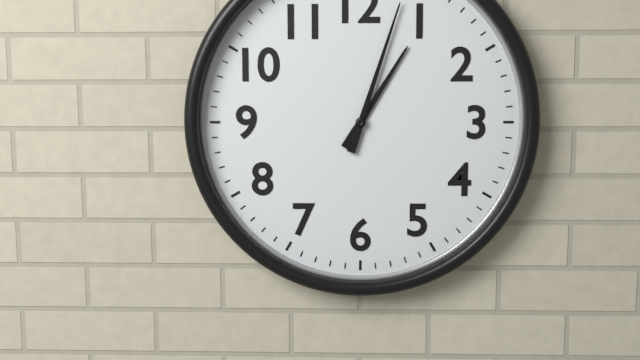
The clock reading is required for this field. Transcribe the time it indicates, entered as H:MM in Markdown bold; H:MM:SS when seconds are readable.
**1:03**
